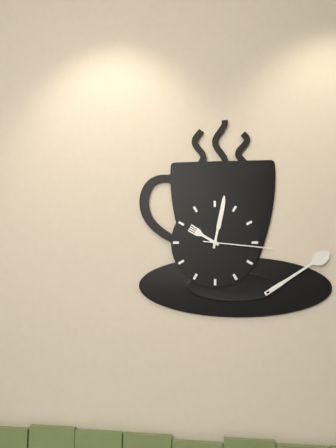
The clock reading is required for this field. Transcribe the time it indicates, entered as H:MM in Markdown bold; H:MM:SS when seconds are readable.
**10:02:16**
